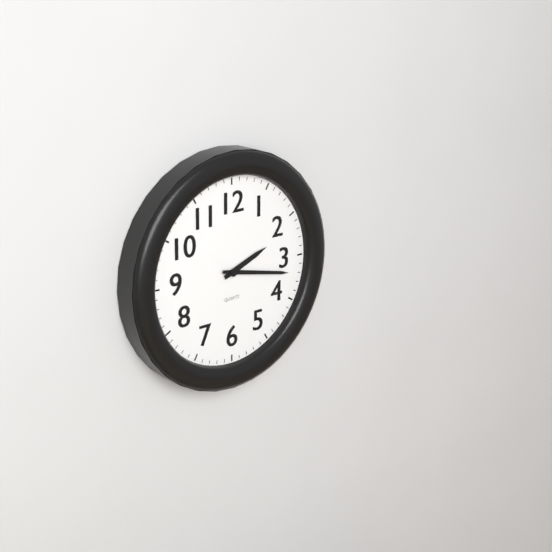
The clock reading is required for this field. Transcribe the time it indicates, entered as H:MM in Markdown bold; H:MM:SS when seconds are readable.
**2:17**
